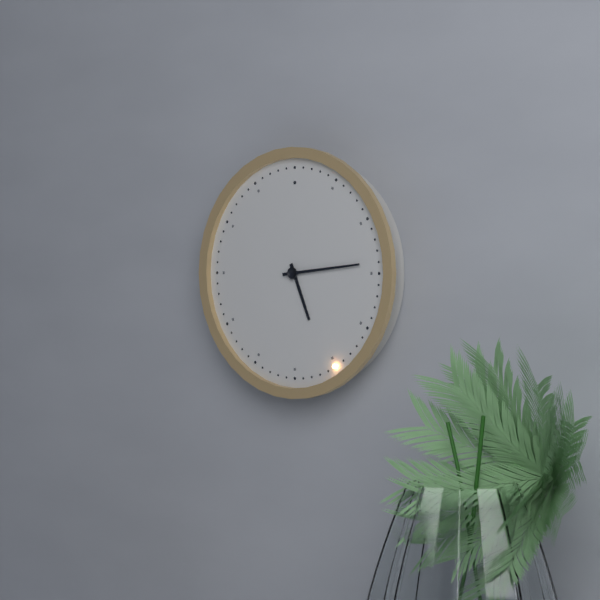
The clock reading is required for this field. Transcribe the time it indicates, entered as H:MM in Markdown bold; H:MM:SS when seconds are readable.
**5:14**
